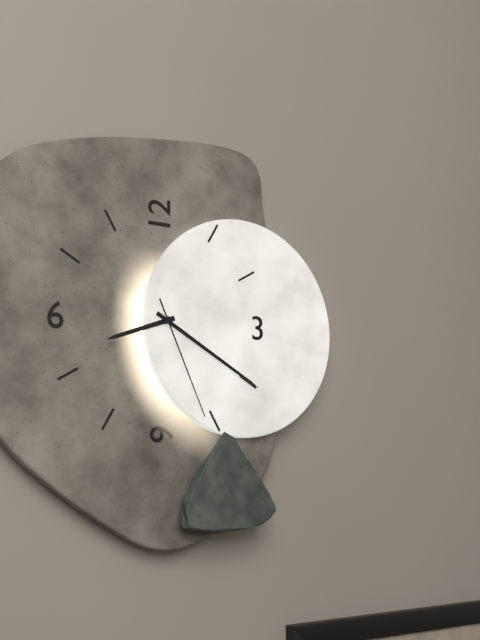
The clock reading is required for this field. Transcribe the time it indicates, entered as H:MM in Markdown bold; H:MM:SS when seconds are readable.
**8:20:26**
